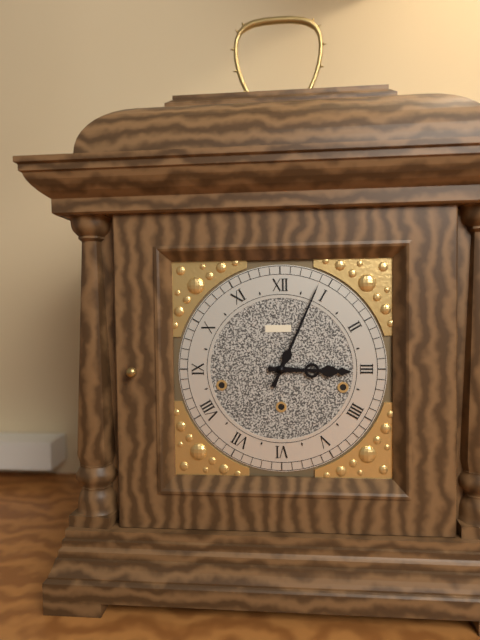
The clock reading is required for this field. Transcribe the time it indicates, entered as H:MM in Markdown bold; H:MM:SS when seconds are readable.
**3:04**
